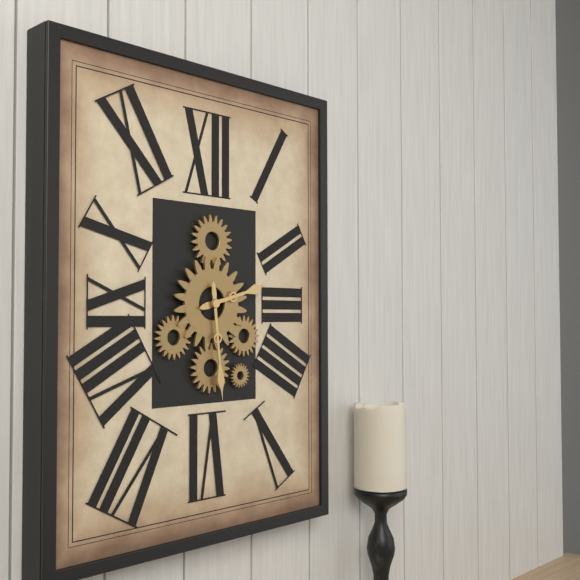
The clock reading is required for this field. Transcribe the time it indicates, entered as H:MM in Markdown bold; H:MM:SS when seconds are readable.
**2:29**
